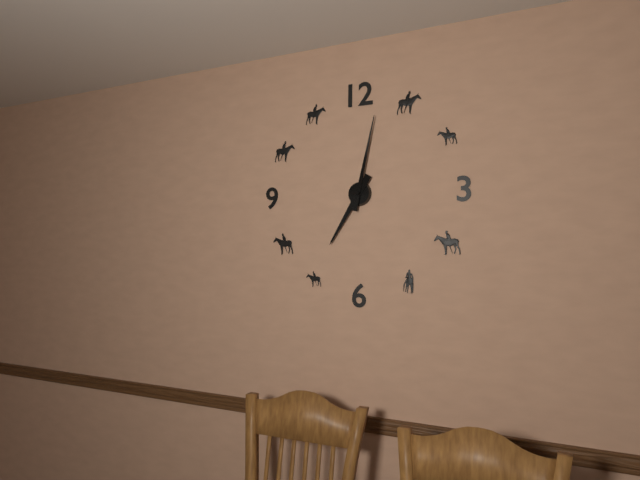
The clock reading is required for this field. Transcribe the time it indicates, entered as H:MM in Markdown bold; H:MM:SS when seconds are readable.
**7:02**
